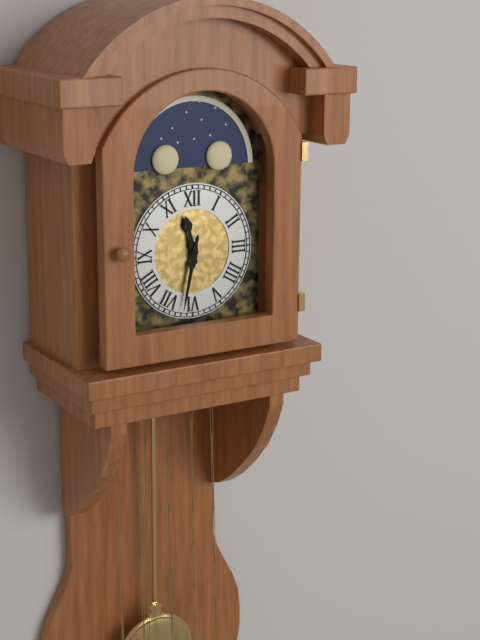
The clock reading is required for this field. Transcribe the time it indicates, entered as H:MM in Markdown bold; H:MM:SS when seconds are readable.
**11:32**
